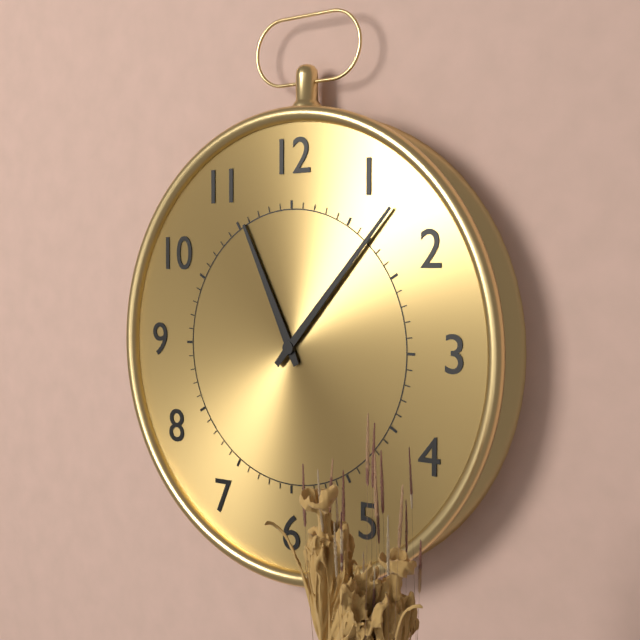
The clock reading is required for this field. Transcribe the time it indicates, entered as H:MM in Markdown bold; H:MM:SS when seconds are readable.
**11:07**
